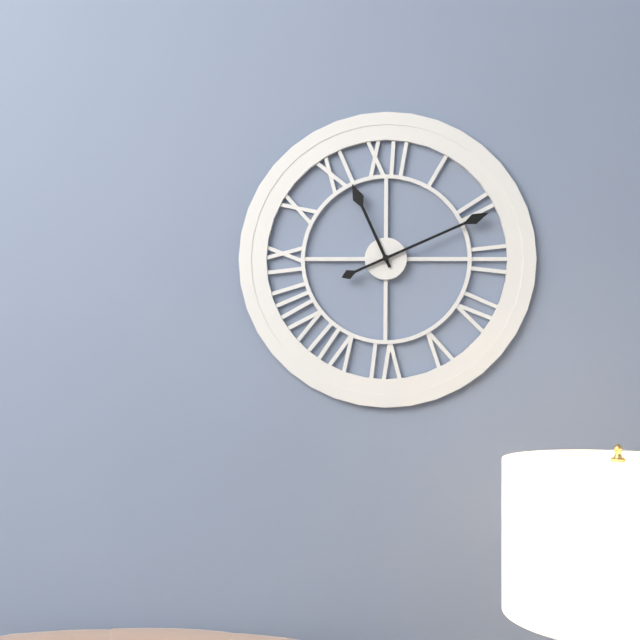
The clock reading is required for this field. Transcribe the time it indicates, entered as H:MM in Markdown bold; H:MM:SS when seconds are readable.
**11:11**
